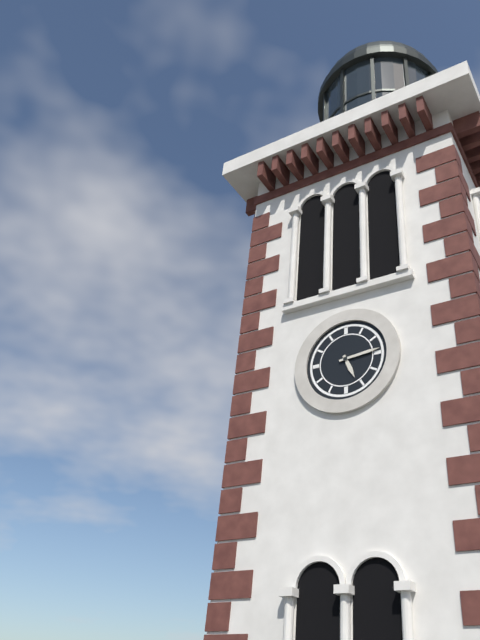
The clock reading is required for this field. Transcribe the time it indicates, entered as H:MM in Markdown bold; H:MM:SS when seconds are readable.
**5:14**
